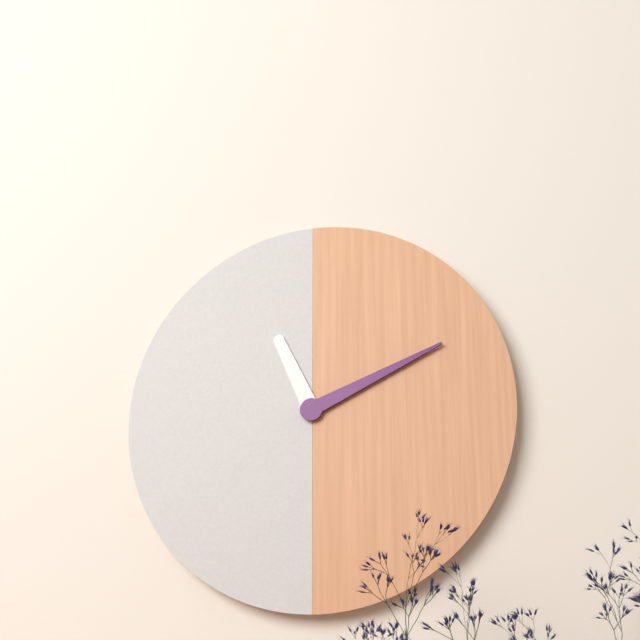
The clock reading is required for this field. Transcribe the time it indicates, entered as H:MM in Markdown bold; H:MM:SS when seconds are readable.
**11:11**
